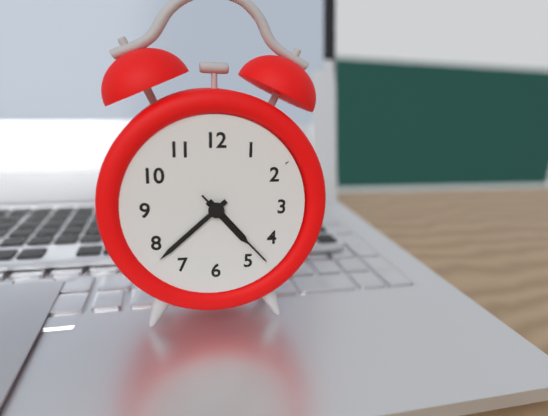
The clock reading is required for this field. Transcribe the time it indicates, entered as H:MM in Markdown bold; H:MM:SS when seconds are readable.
**4:38:23**
